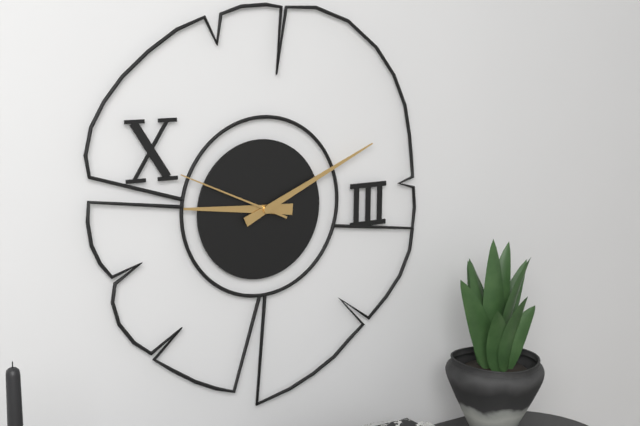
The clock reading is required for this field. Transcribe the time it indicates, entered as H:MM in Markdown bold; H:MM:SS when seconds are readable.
**9:11:49**
